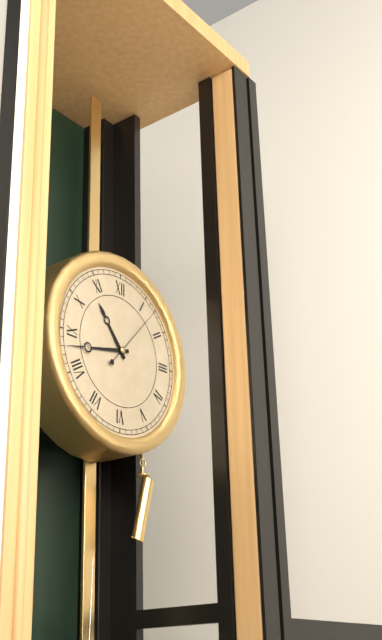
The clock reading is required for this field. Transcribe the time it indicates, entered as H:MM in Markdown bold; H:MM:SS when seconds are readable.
**10:43:07**
